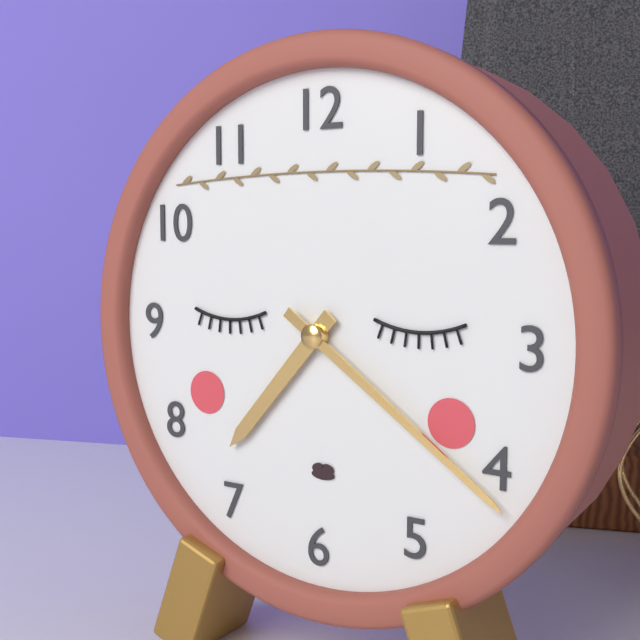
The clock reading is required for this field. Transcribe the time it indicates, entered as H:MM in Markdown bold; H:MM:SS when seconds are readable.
**7:21**
